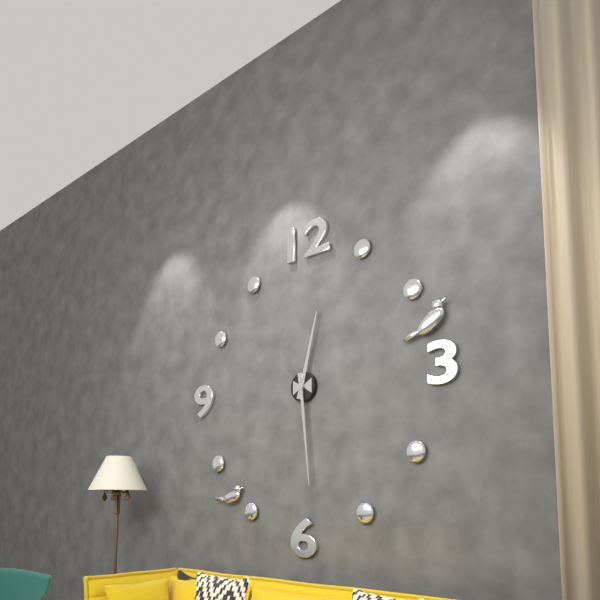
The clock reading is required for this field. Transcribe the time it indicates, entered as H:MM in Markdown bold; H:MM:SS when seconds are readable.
**12:29**
